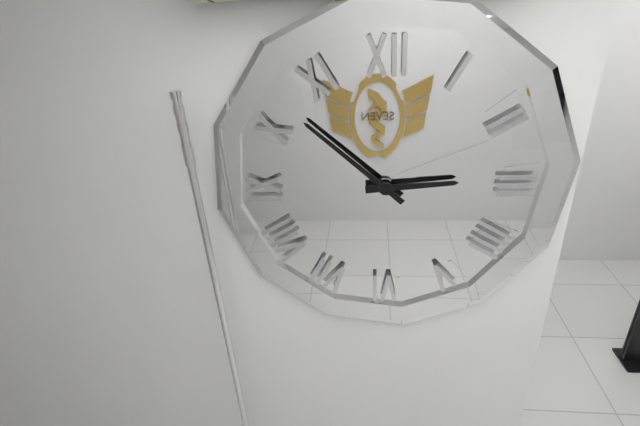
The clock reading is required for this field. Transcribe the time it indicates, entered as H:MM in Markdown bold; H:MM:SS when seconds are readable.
**2:52**
